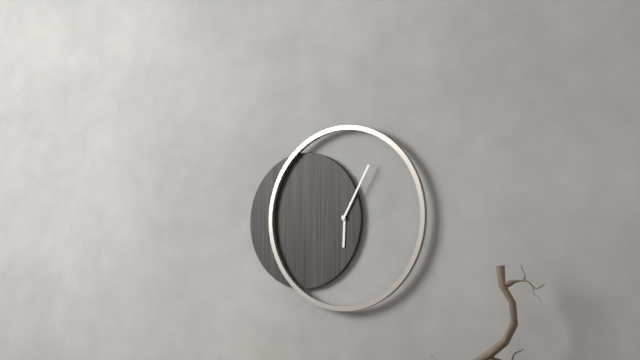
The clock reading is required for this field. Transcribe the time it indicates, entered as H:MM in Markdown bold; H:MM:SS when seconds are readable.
**6:05**
